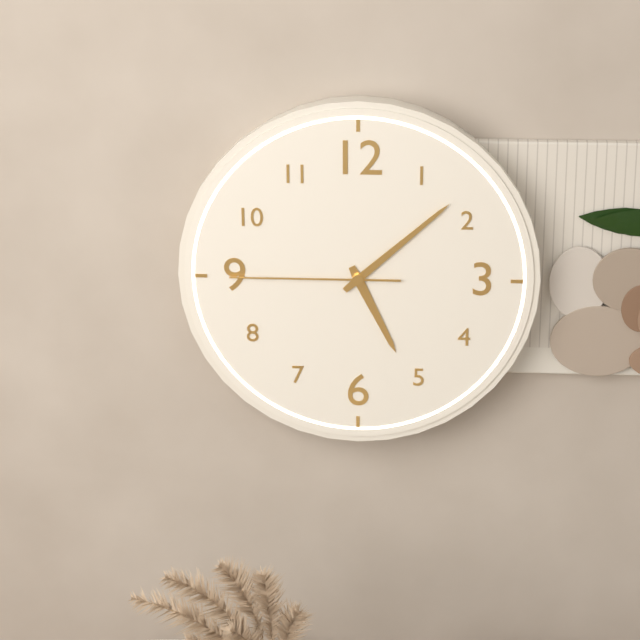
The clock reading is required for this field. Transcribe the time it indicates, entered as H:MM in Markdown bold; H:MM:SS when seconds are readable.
**5:08:45**
